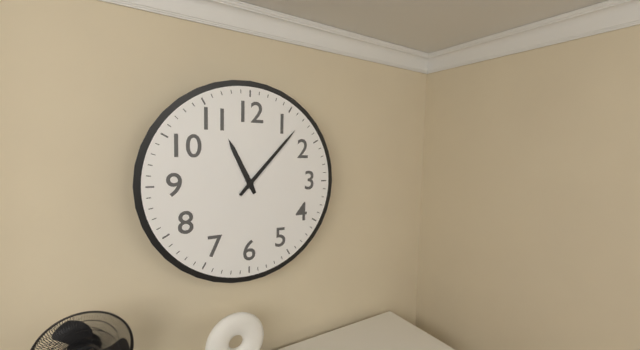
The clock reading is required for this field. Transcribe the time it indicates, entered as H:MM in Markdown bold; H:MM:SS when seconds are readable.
**11:07**
